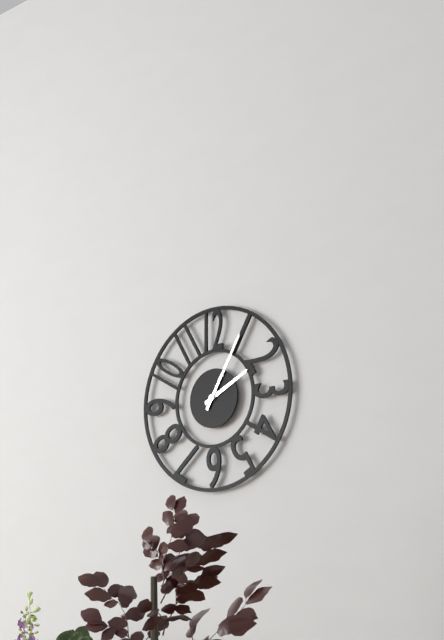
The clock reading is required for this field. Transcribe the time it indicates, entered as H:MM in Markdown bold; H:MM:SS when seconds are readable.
**2:05**
